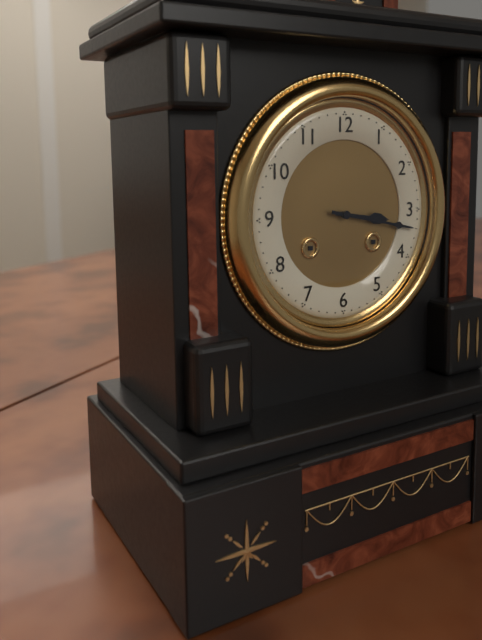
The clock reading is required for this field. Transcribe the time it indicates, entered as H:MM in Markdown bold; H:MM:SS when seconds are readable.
**3:17**
